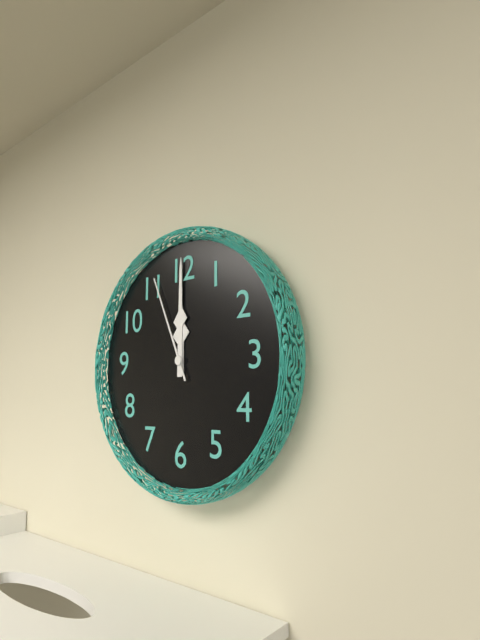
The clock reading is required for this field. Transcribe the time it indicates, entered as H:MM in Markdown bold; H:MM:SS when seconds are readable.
**12:00:56**
